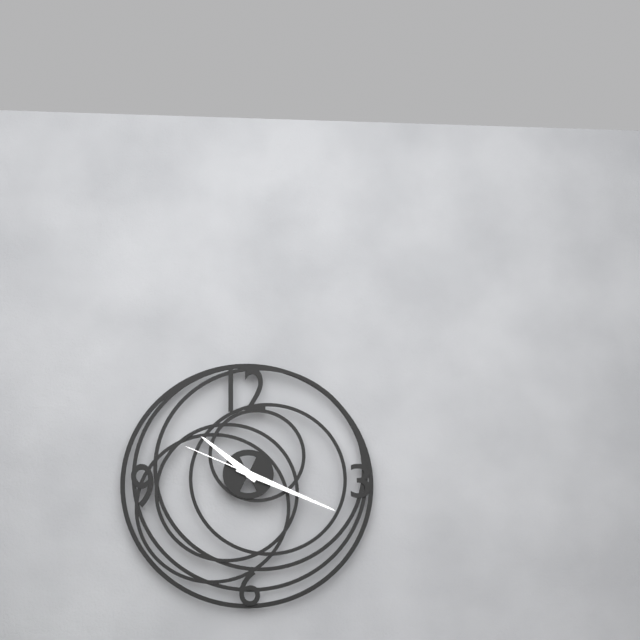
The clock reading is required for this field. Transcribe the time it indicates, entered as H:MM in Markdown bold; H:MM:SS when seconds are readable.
**10:19:49**
